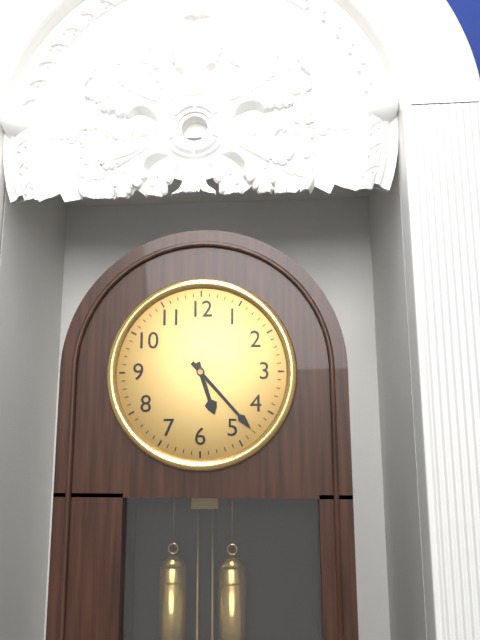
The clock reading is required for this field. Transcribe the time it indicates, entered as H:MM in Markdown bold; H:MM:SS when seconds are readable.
**5:23**
